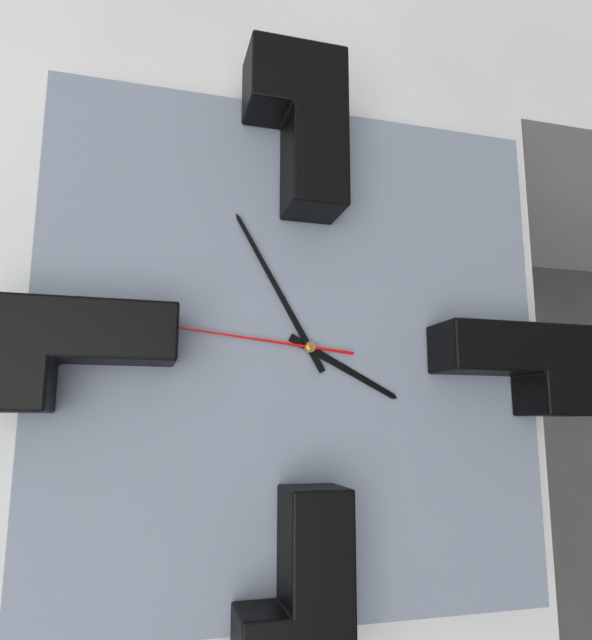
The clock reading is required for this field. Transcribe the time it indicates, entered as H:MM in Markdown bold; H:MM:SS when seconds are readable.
**3:55:46**
